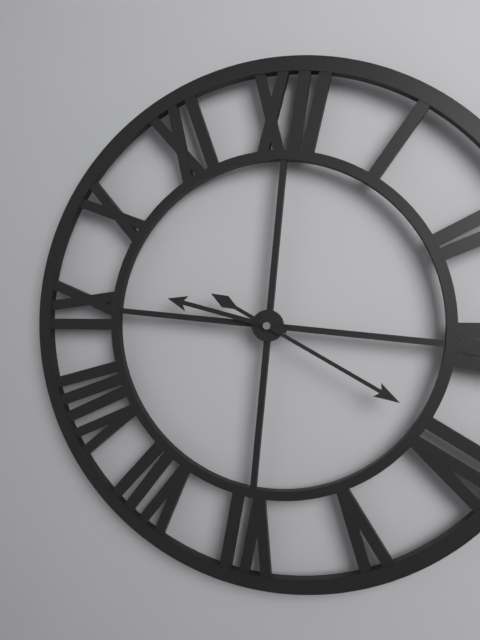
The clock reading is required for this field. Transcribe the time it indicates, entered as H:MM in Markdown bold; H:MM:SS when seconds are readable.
**9:19**
